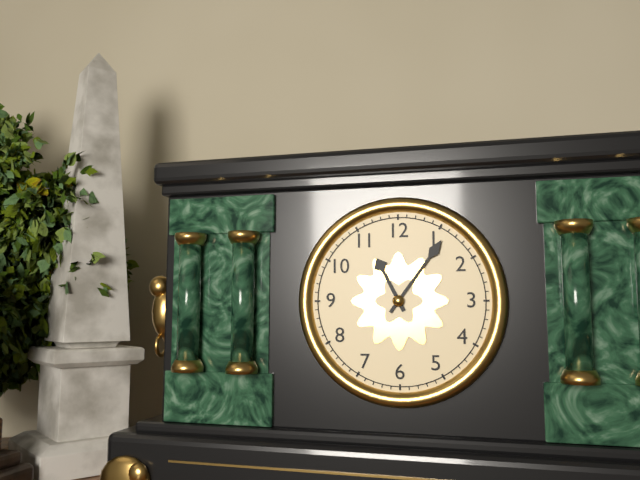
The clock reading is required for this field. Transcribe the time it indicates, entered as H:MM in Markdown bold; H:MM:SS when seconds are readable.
**11:06**
